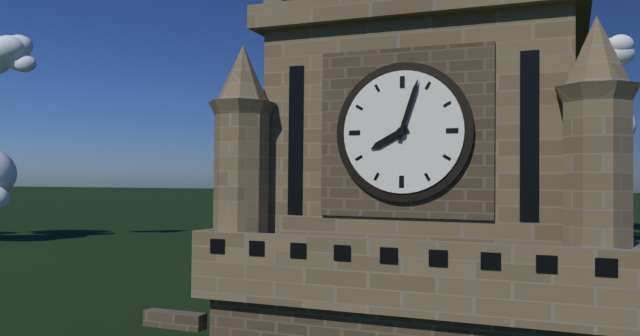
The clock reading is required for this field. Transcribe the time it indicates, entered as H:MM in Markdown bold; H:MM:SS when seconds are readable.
**8:03**
